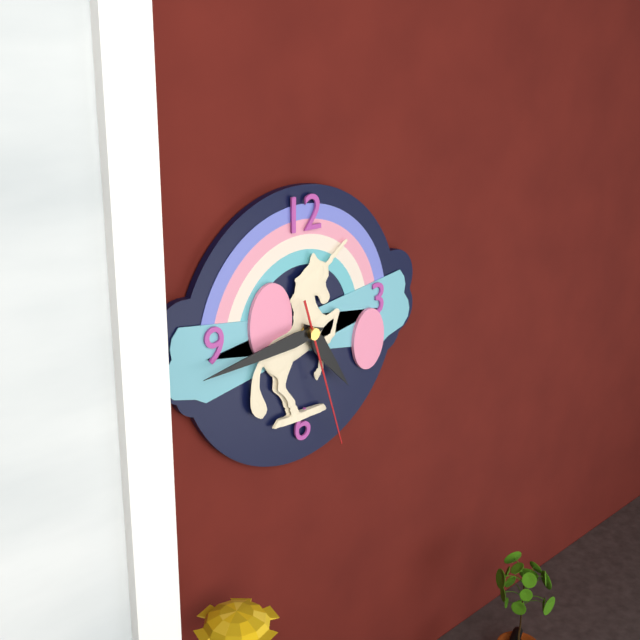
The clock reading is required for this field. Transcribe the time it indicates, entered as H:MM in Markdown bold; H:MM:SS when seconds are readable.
**4:44:27**
